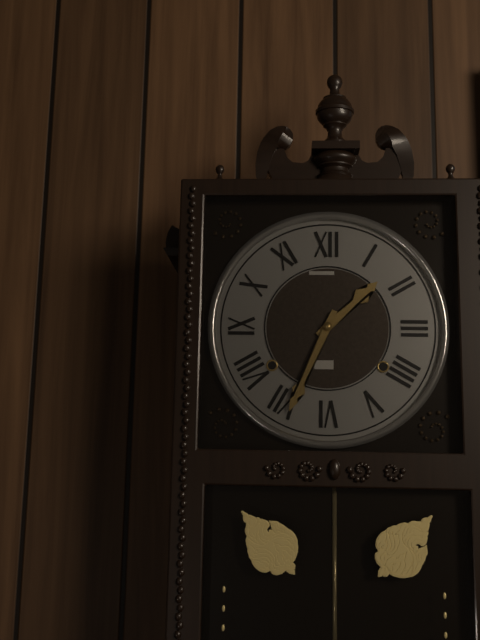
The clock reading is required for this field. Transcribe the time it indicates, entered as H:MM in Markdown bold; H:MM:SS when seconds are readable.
**1:34**
